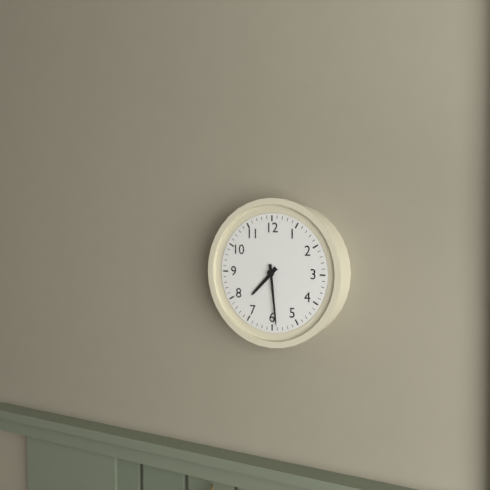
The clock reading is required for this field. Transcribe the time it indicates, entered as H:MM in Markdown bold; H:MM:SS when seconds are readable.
**7:29**
